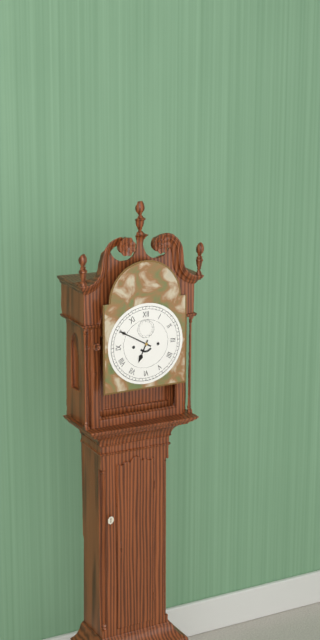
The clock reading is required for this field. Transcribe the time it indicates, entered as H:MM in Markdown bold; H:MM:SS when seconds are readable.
**6:50**
